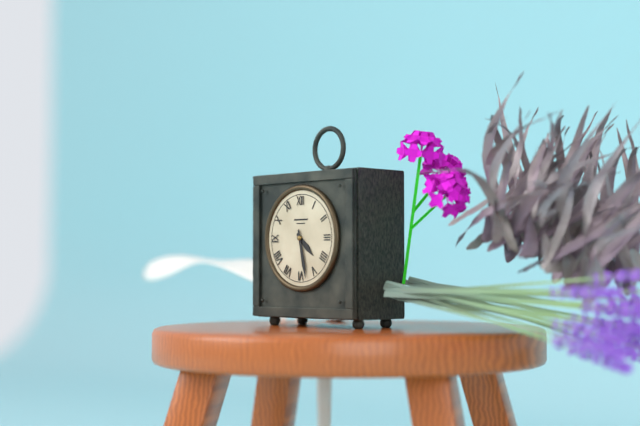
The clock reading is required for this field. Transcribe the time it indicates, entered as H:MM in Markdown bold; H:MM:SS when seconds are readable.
**4:28**
